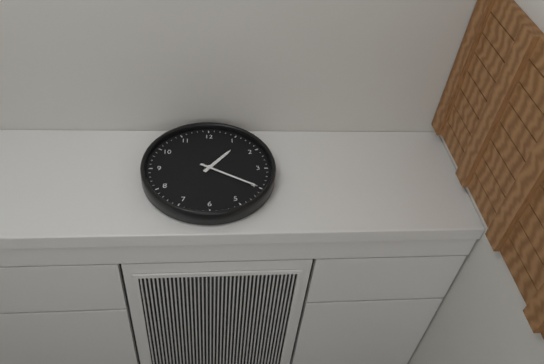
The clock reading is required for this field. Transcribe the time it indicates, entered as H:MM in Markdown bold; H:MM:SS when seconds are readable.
**1:20**
